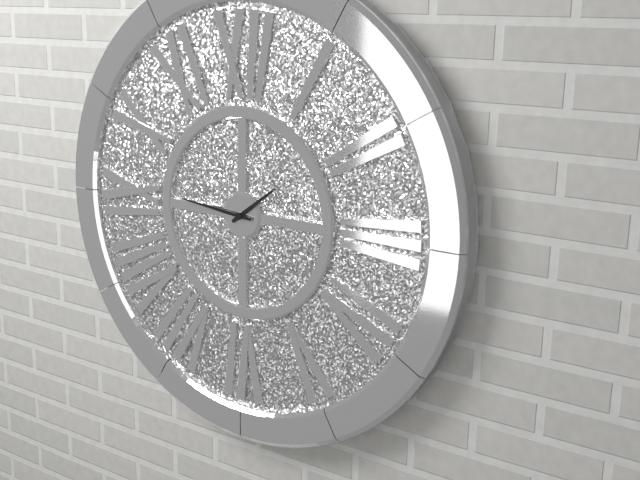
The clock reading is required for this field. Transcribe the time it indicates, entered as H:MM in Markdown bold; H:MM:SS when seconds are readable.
**1:46**
